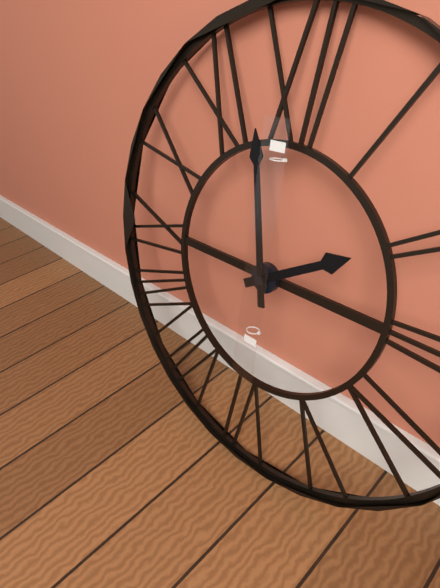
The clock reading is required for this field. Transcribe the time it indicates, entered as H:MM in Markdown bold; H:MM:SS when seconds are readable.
**1:58**
